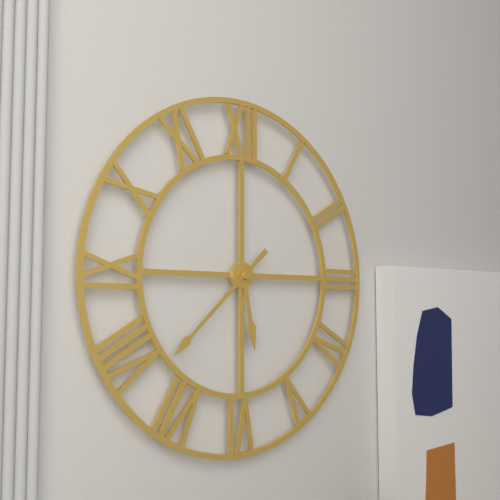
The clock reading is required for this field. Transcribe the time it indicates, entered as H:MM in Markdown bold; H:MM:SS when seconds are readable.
**5:38**
